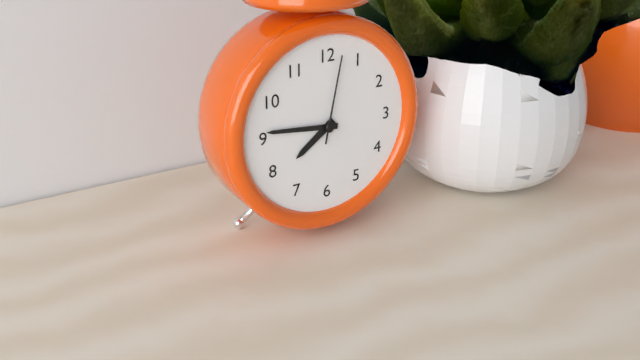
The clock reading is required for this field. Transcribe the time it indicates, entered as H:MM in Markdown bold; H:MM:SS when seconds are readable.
**7:46:02**
